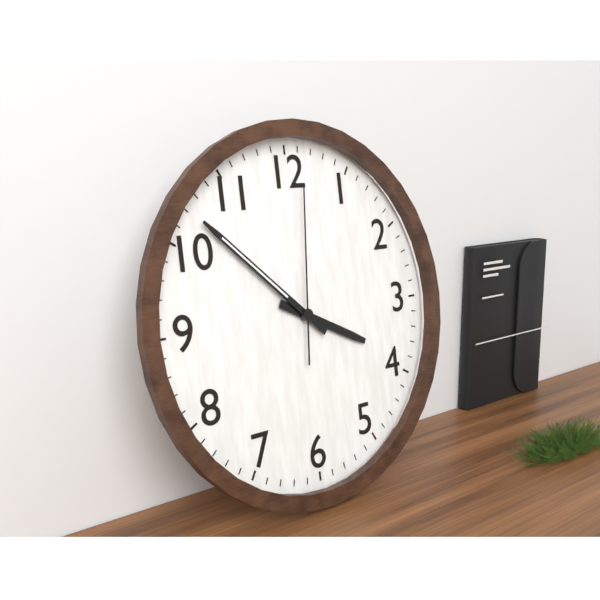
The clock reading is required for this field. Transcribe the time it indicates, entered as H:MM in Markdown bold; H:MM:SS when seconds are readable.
**3:52:01**
